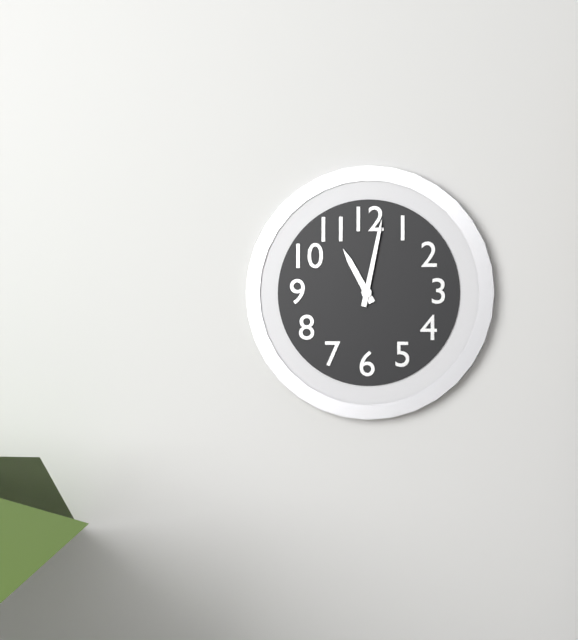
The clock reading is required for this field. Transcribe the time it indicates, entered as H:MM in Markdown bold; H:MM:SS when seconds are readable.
**11:02**
